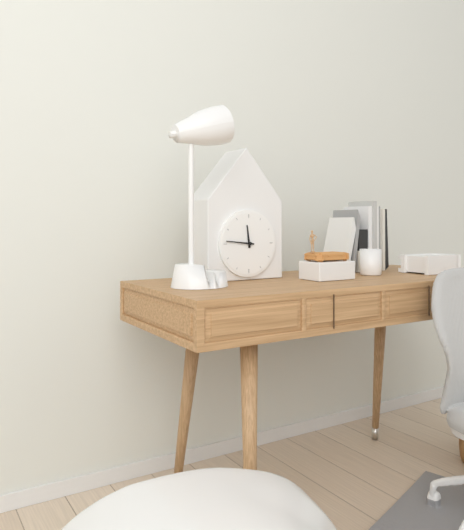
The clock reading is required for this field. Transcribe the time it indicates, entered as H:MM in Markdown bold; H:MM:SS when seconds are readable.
**11:46**
